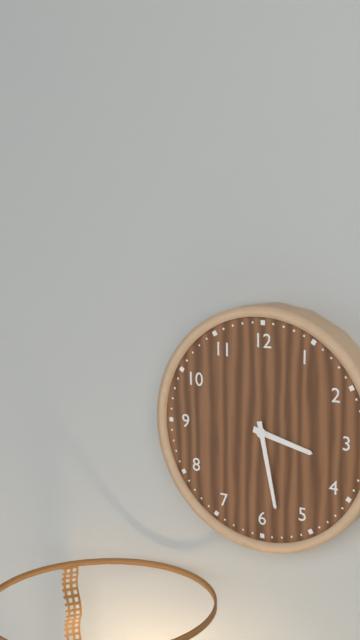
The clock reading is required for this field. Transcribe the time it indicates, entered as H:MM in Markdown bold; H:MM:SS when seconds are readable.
**3:28**
